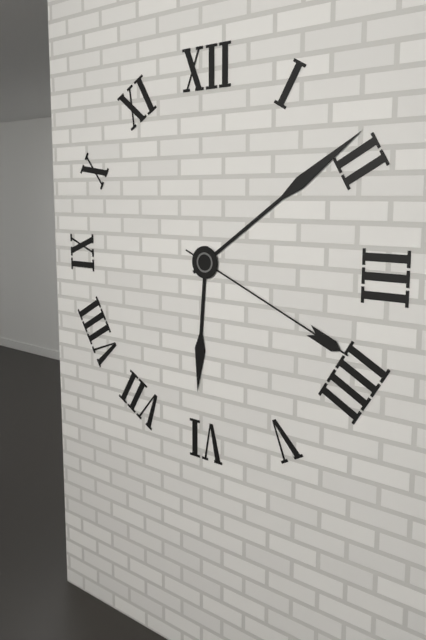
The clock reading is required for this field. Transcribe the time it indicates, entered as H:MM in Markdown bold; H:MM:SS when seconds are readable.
**6:09:19**
